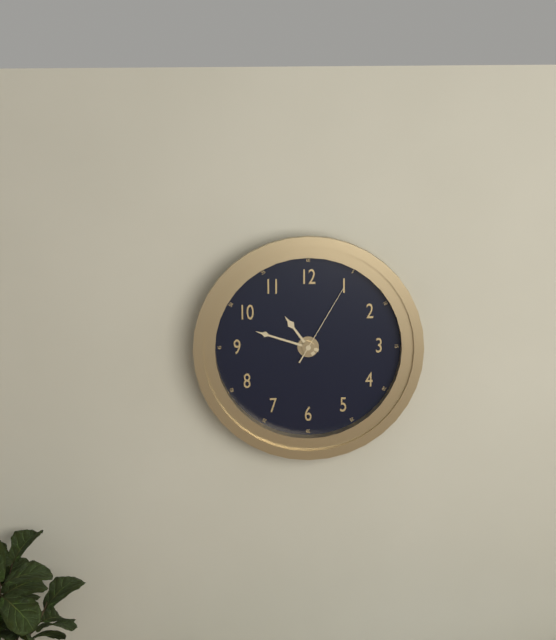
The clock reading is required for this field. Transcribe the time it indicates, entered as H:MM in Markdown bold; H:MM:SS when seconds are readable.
**10:48:05**
